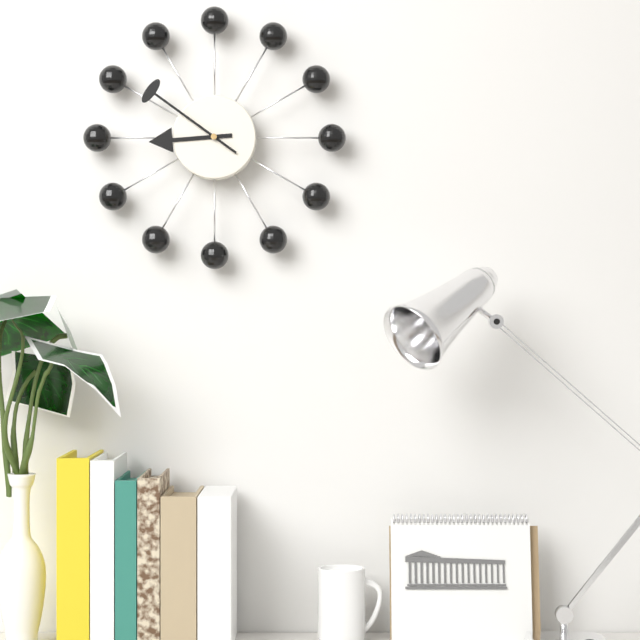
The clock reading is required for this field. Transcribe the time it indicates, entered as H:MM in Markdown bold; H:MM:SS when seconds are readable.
**8:51**
